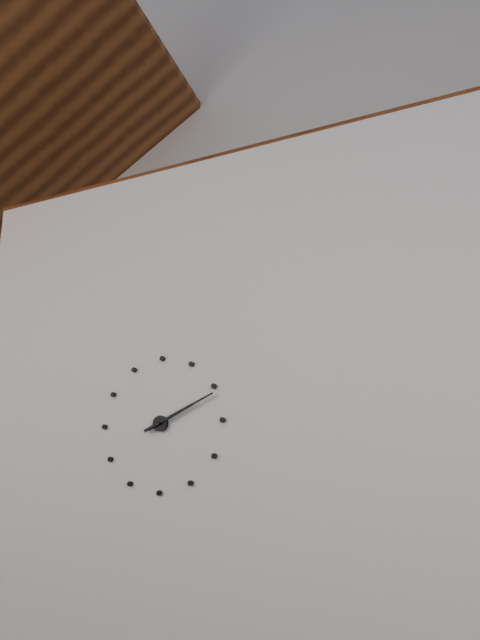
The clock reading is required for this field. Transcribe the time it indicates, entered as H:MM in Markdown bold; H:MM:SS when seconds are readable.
**2:11**
